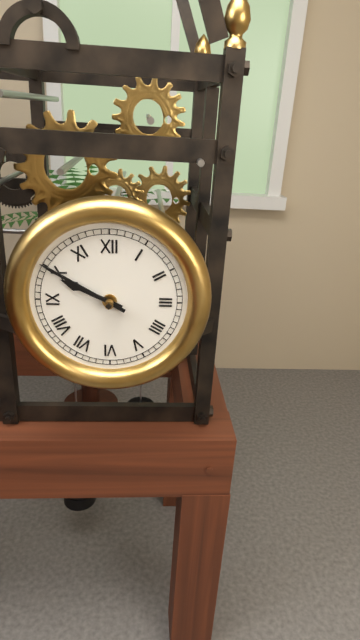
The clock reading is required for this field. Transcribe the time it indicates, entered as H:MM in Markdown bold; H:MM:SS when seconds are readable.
**9:50**
